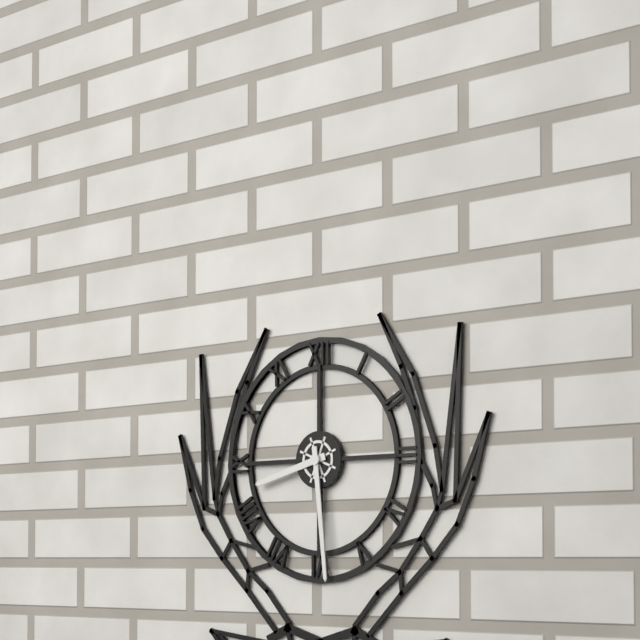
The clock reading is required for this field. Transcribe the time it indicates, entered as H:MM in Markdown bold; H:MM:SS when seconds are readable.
**8:29**
